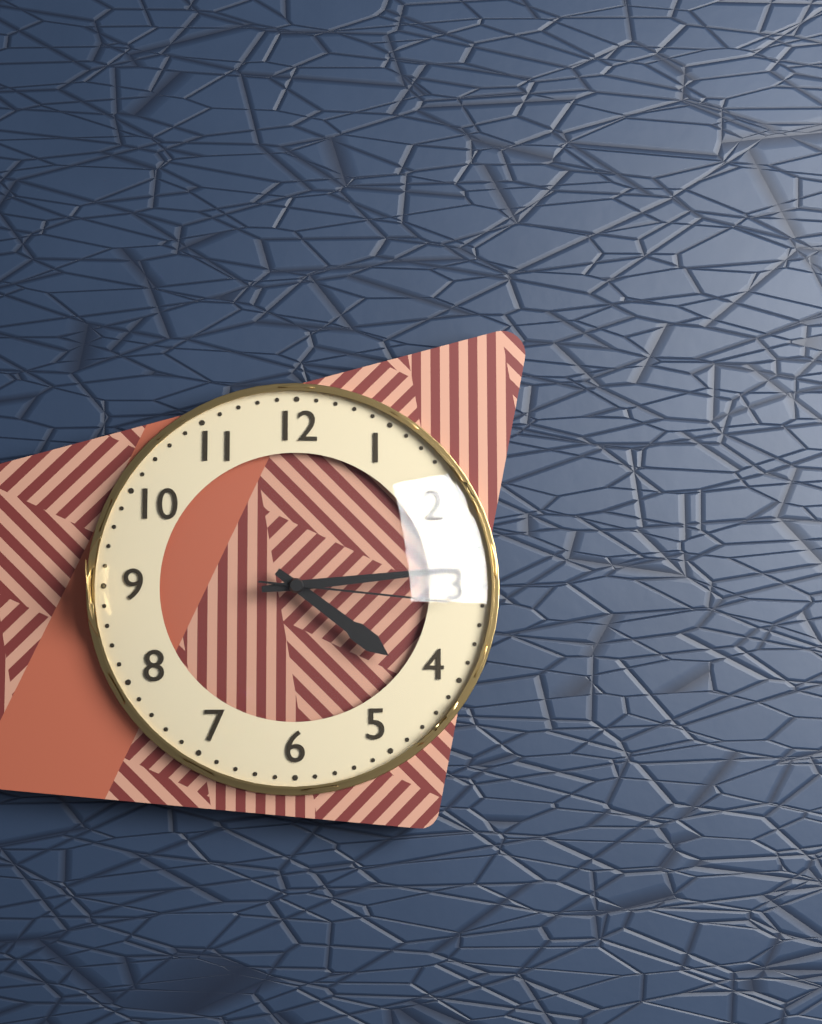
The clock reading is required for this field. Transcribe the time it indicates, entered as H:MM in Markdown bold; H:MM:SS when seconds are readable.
**4:14:16**
